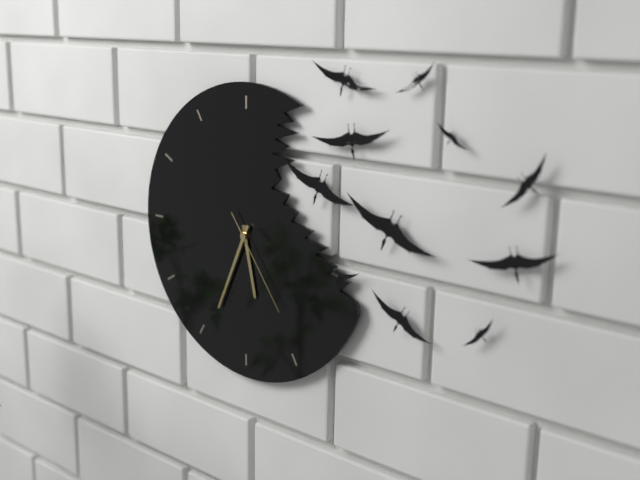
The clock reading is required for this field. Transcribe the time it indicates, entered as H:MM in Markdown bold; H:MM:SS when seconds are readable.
**5:34:24**
